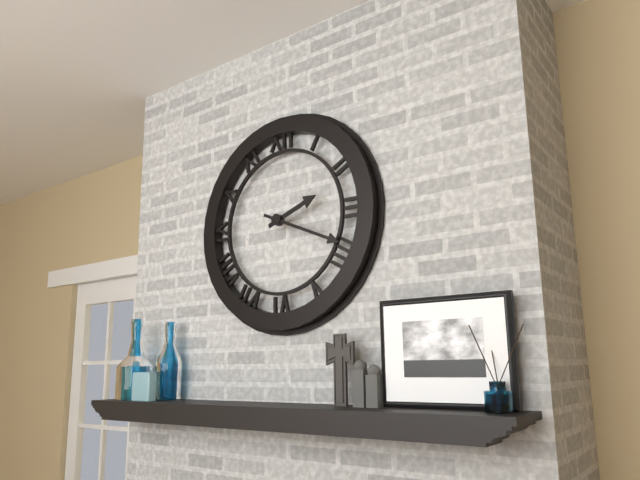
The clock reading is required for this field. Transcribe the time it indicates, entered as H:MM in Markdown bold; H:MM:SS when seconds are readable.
**2:19**
